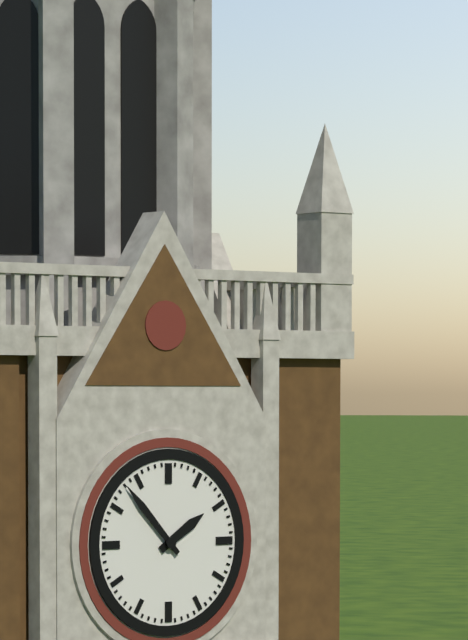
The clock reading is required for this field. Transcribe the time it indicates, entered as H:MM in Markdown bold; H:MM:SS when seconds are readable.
**1:53**
